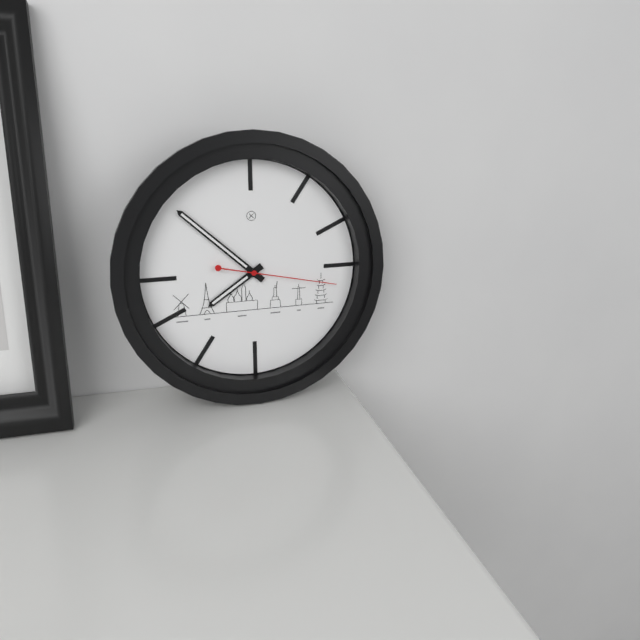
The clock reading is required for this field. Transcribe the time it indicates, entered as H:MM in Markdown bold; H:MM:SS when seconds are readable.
**7:52:17**
